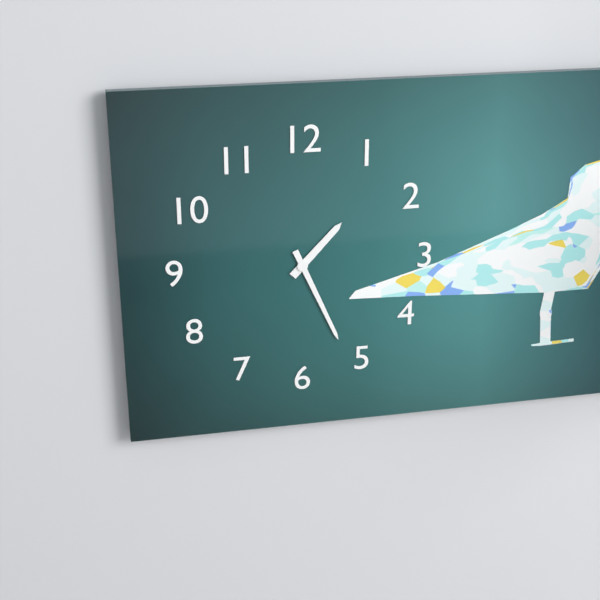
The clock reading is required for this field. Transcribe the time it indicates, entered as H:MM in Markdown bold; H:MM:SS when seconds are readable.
**1:26**
